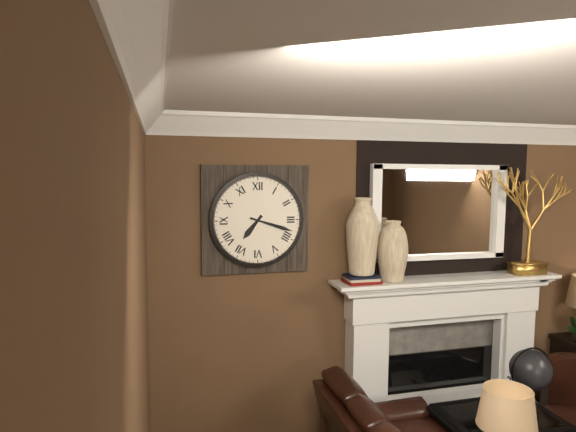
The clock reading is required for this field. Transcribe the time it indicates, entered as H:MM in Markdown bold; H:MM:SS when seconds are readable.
**7:18**
